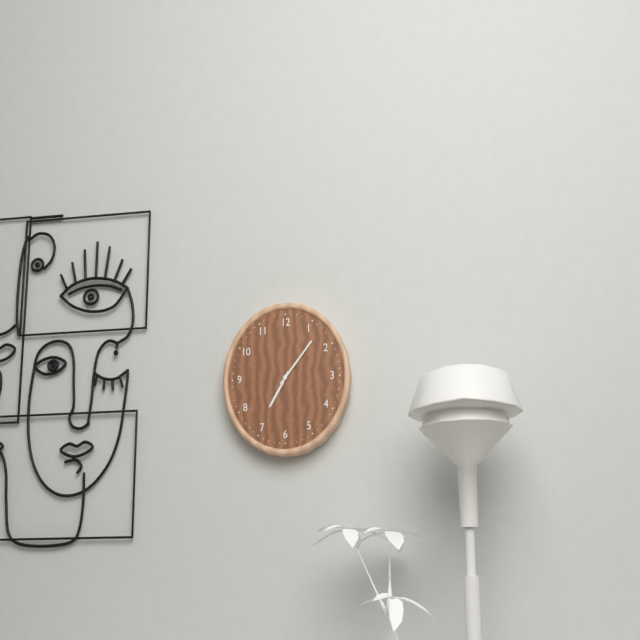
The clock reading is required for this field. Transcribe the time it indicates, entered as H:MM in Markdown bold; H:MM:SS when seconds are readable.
**7:07**
